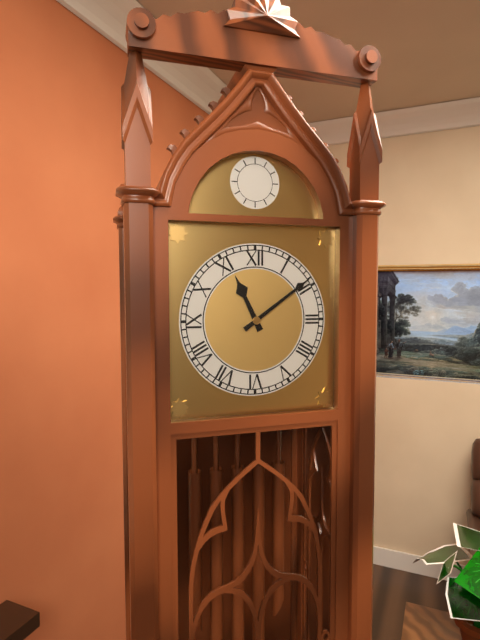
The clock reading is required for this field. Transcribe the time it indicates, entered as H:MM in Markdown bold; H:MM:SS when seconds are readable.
**11:09**
